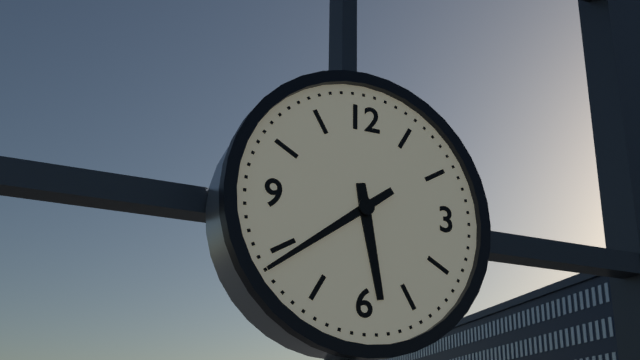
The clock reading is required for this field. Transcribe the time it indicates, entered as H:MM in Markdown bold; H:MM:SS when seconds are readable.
**5:39**
